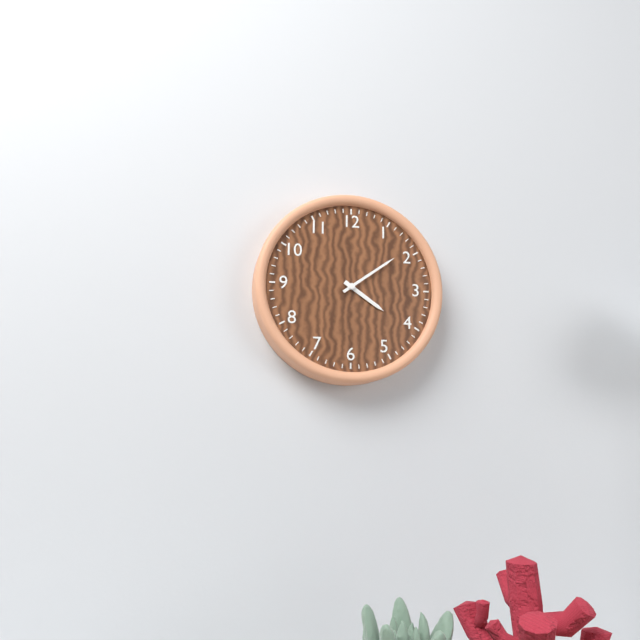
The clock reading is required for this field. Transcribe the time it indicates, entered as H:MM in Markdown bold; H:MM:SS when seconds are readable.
**4:09**
